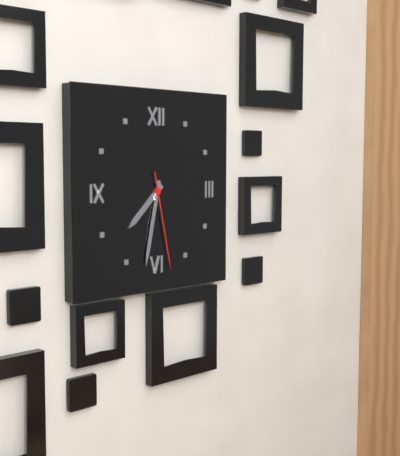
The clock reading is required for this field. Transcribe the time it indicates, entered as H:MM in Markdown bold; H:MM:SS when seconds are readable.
**7:32:28**
